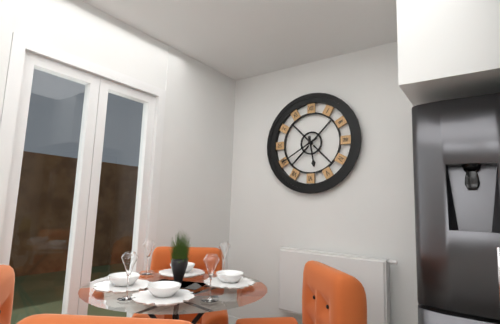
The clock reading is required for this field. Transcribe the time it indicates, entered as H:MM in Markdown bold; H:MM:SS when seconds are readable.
**5:40**
